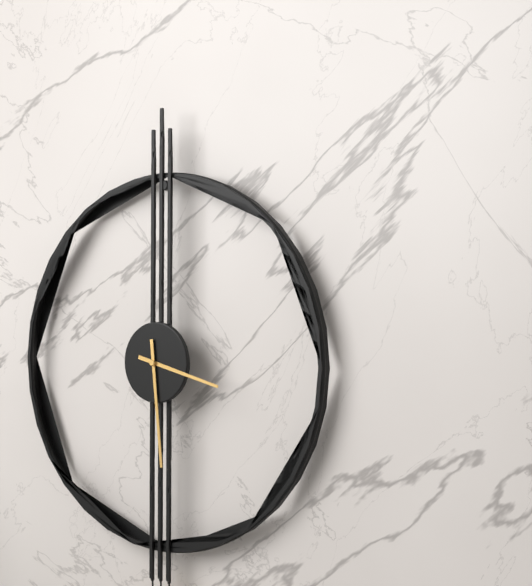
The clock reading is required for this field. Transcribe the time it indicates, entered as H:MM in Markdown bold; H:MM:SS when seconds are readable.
**3:29**
